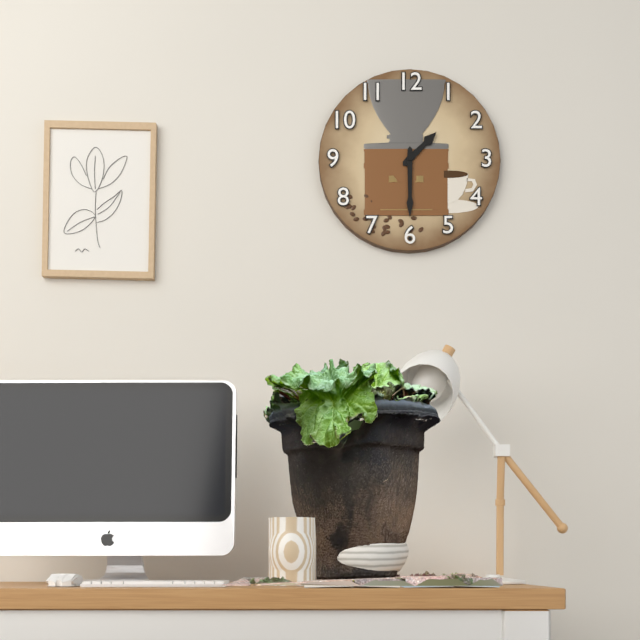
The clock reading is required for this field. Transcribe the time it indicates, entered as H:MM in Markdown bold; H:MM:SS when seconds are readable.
**1:30**
